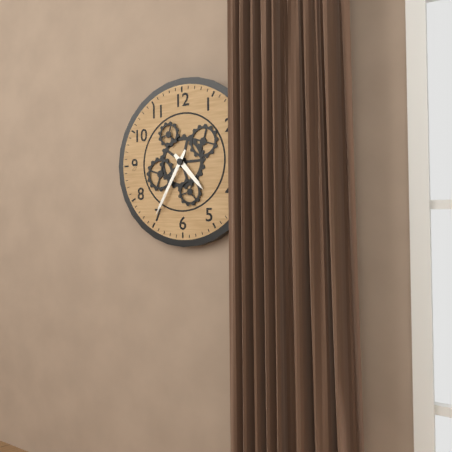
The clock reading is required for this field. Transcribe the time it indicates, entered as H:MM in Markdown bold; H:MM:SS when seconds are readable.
**4:35**
